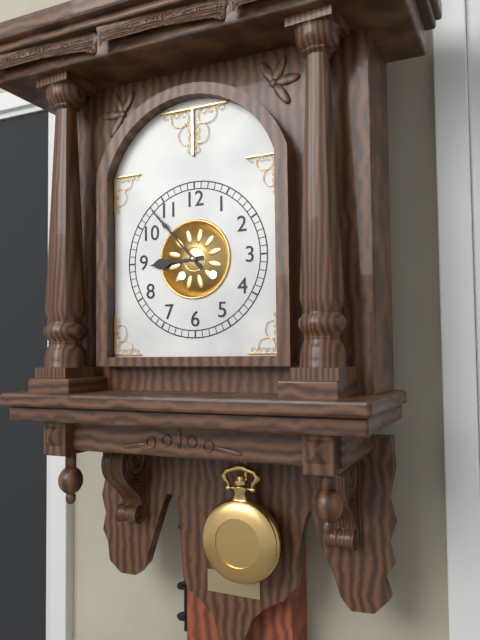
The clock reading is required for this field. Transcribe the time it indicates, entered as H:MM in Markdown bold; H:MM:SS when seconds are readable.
**8:53**
